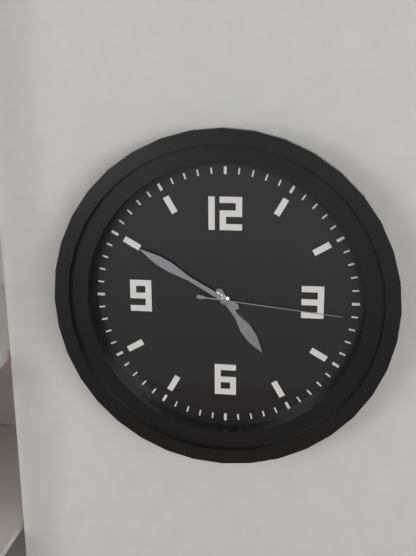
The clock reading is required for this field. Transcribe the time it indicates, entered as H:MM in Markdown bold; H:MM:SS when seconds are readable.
**4:50:16**
